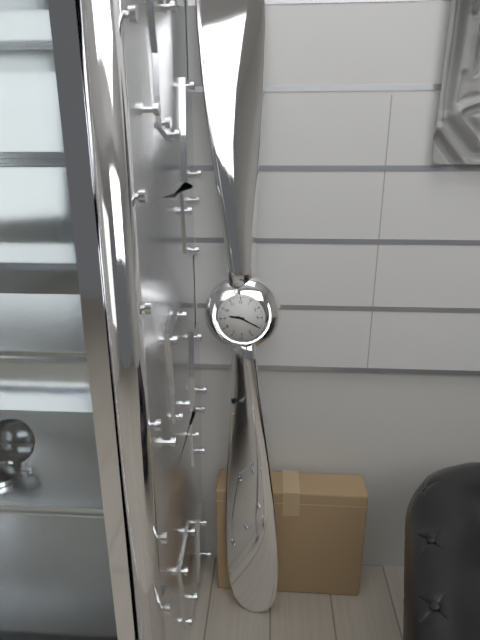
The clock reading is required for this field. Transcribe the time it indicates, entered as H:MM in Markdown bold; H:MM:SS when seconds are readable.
**9:20**
